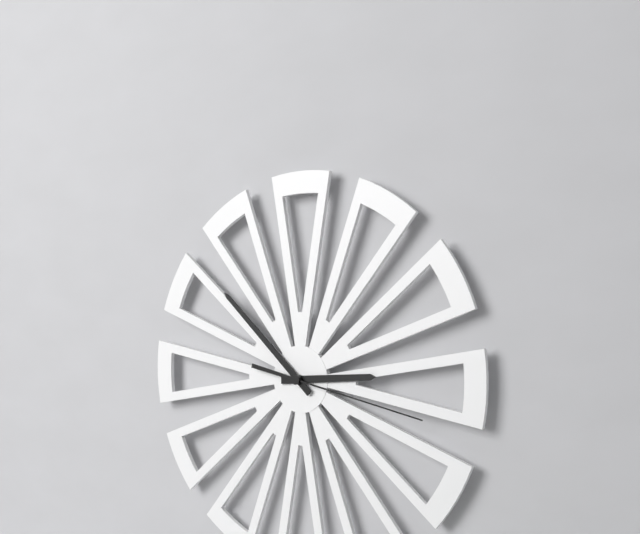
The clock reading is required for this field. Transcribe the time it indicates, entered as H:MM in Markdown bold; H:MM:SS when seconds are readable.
**2:52:17**
